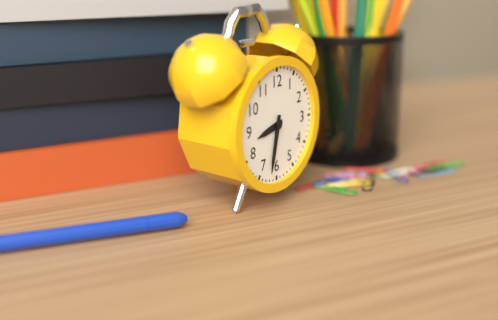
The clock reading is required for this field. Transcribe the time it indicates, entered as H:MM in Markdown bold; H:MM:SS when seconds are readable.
**8:32**
